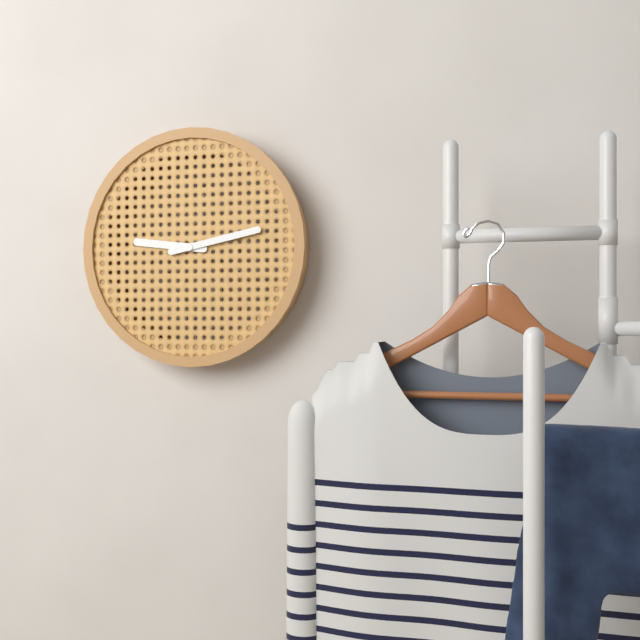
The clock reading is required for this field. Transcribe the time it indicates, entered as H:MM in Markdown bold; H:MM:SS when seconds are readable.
**9:13**
